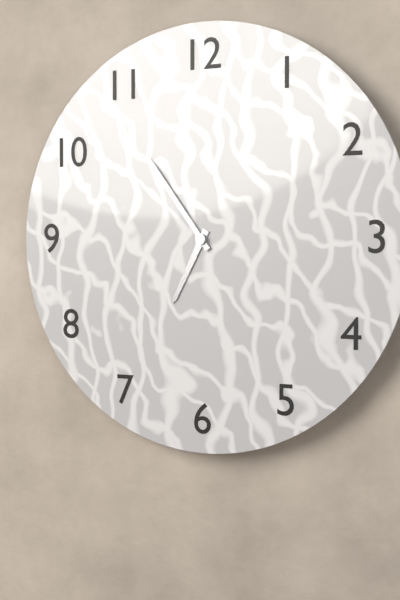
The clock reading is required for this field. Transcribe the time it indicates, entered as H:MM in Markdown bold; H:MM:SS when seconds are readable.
**6:54**
